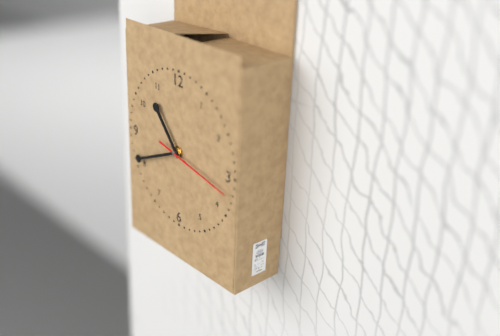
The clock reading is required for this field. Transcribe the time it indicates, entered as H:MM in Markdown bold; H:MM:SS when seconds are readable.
**10:41:17**
